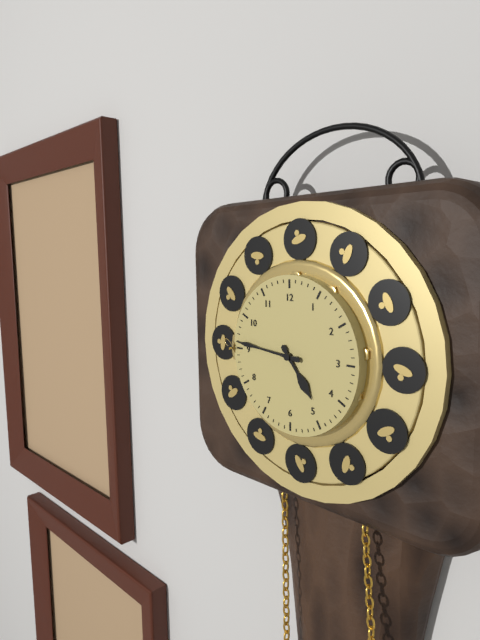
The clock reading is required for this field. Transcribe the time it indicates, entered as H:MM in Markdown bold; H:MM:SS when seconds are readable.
**4:46**
